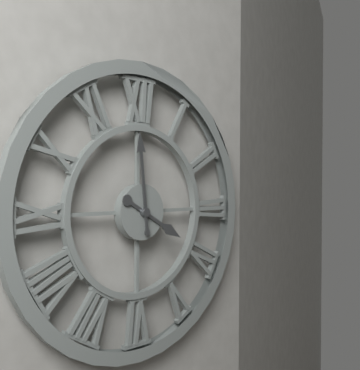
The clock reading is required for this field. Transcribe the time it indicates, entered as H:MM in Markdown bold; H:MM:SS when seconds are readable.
**3:59**
